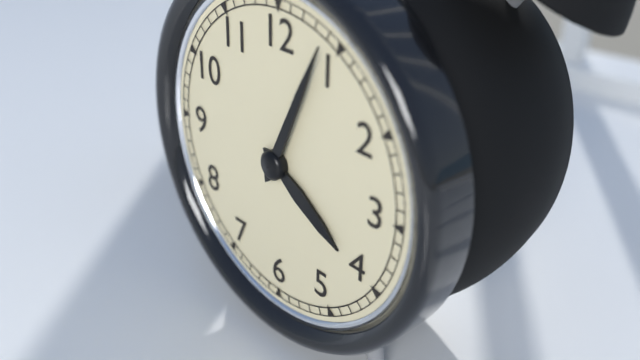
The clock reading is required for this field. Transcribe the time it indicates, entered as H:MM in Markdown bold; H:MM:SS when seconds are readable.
**4:04**
